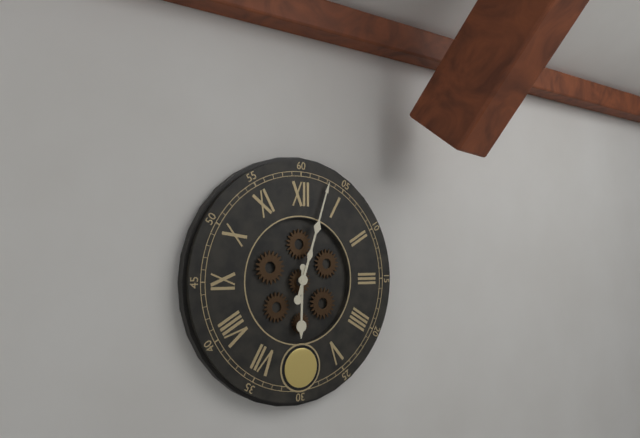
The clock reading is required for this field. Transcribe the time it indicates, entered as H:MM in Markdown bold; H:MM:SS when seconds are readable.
**6:03**
